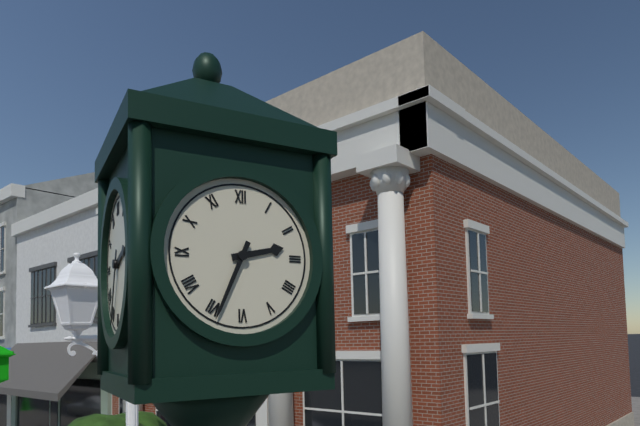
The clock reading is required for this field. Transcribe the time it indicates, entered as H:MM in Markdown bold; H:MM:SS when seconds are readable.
**2:34**
